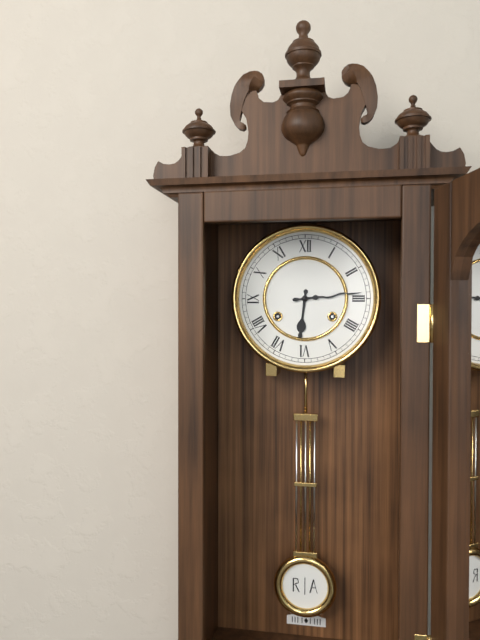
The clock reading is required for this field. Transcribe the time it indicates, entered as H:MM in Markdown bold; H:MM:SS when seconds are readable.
**6:14**
